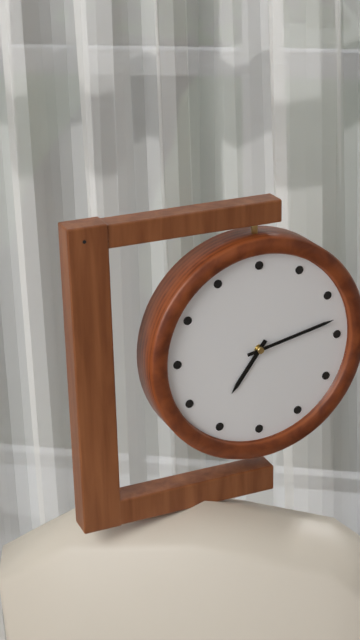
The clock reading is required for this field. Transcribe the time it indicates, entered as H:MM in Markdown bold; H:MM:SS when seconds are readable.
**7:13**
